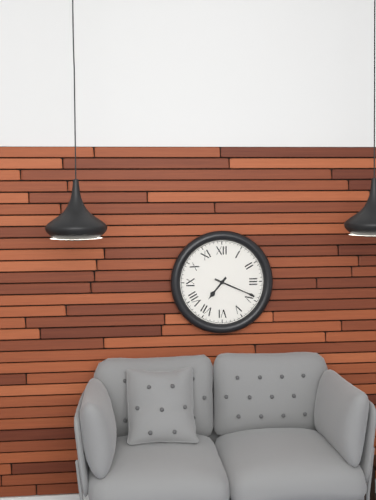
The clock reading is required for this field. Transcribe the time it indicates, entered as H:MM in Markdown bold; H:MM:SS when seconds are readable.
**7:19**
